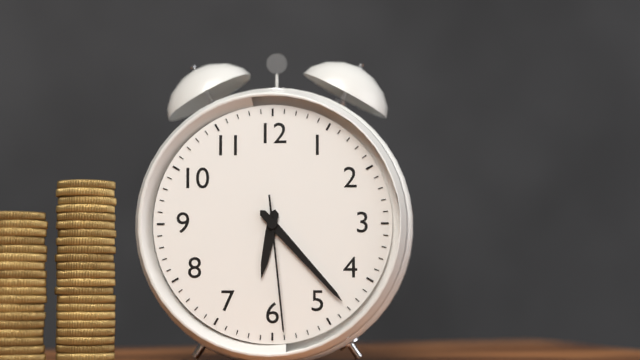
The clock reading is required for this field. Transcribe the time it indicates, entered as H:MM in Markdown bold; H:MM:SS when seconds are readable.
**6:23:29**
